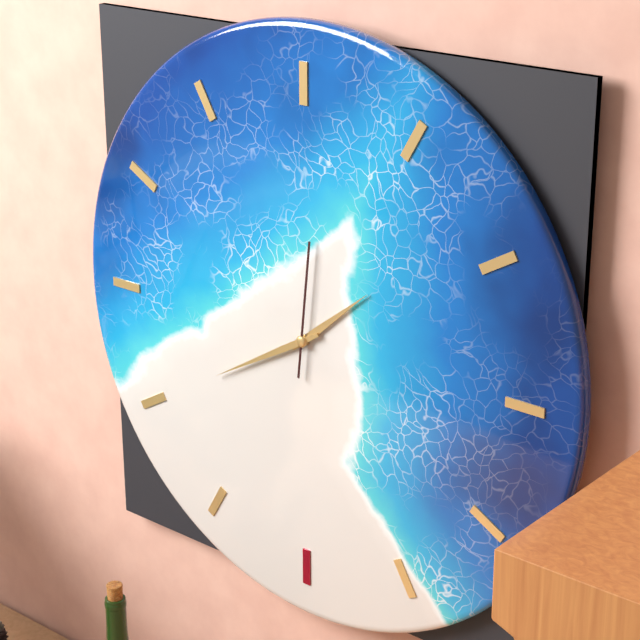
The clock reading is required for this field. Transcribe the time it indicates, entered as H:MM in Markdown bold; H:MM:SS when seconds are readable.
**1:40:01**
